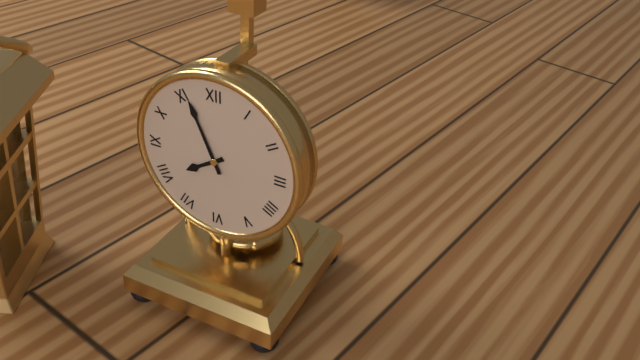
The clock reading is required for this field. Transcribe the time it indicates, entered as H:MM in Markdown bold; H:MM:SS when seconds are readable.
**7:56**
